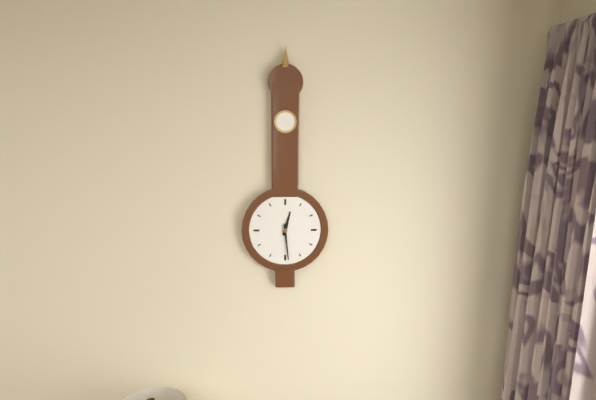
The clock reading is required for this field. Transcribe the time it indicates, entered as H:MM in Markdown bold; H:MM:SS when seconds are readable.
**12:29**
